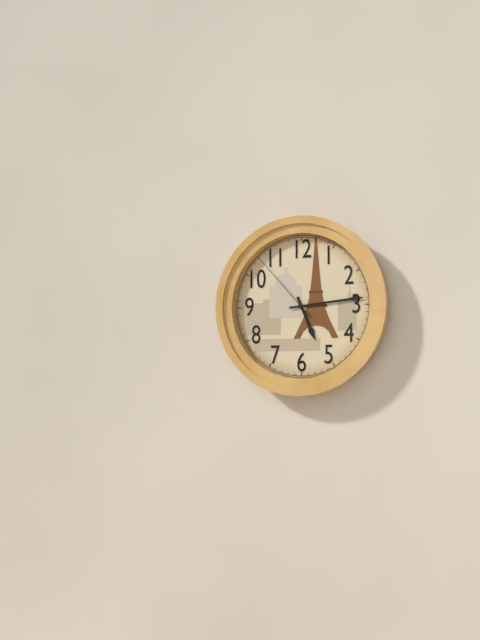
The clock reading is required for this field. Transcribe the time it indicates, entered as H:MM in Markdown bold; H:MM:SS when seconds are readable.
**5:14:53**
